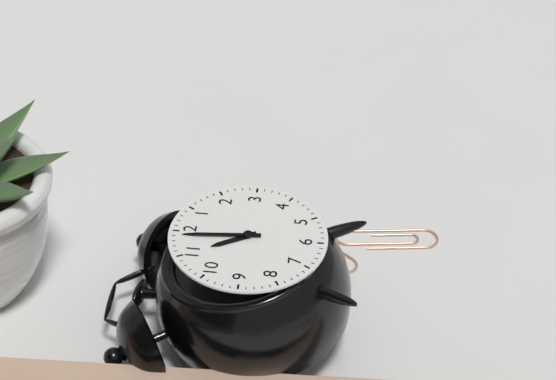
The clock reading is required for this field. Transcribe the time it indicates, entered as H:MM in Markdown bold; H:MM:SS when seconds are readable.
**10:59**
